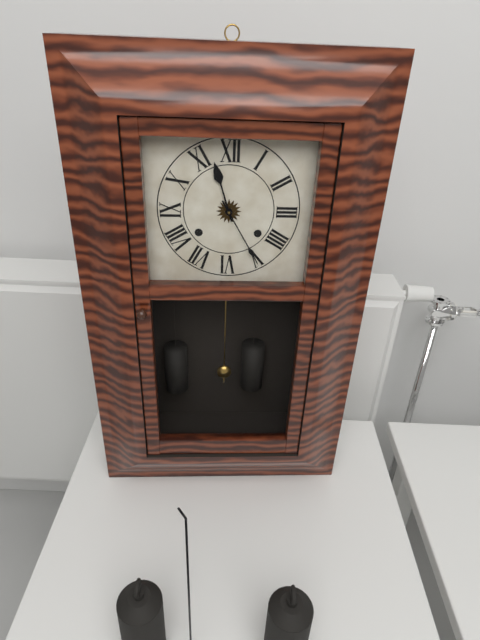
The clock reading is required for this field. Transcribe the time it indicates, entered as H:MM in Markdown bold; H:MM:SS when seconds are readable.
**11:25**
